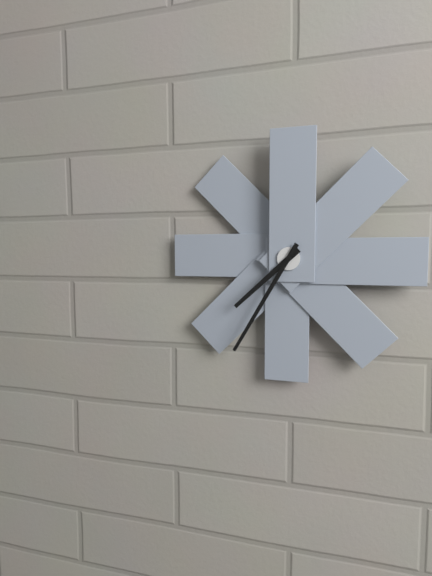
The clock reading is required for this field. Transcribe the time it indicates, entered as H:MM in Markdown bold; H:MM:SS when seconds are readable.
**7:35**
